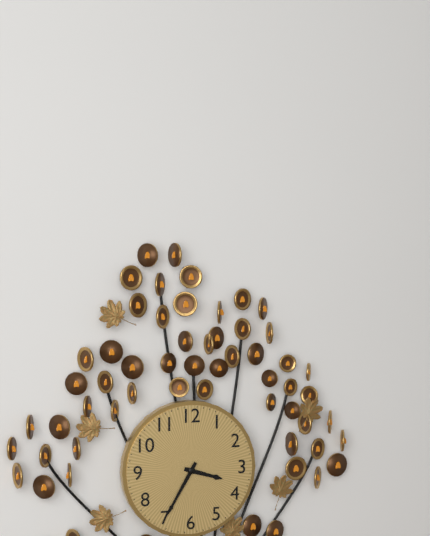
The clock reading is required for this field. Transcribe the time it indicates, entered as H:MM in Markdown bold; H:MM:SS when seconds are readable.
**3:35**
